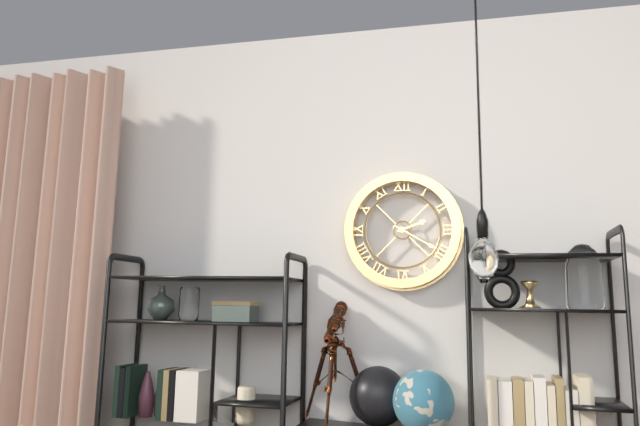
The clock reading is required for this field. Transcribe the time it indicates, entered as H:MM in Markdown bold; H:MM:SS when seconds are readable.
**2:20**
